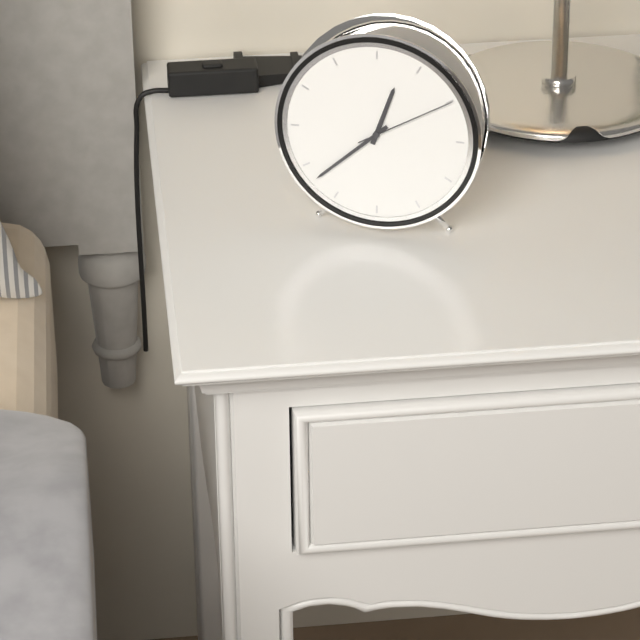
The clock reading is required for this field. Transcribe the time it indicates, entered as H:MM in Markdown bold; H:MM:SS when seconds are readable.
**12:38:10**
